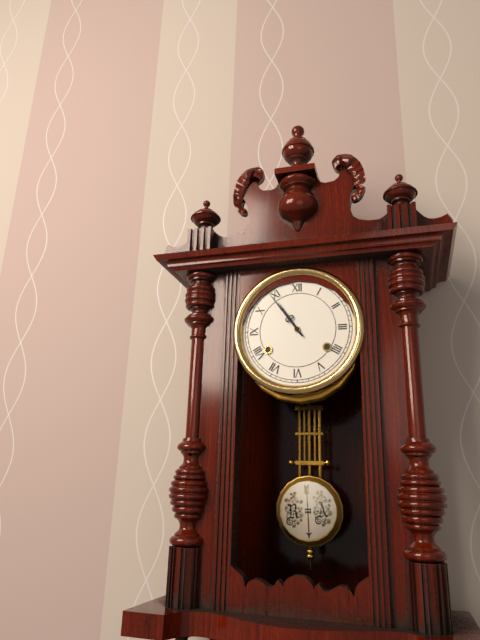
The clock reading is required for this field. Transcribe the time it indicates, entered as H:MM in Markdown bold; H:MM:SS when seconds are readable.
**10:54**
